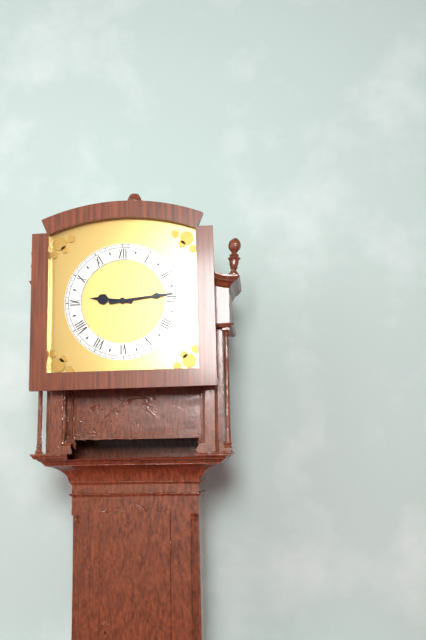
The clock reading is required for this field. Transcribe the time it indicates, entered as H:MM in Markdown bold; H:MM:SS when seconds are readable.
**9:14**
